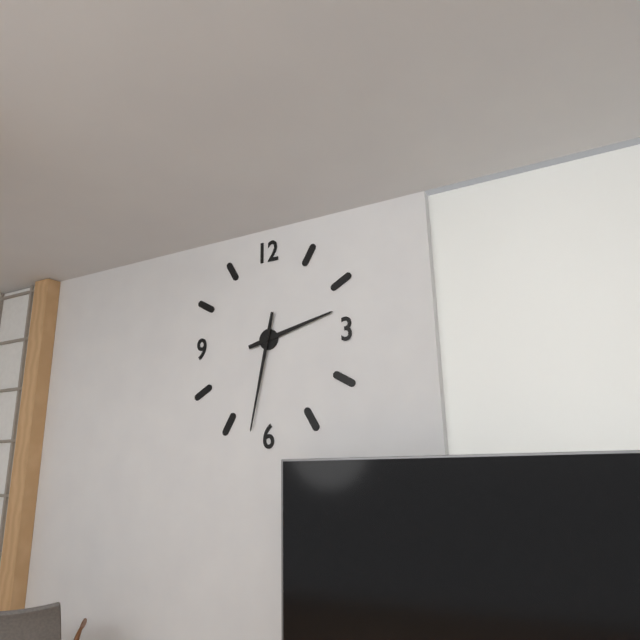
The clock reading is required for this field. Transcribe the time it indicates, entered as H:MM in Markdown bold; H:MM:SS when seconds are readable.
**2:32**
